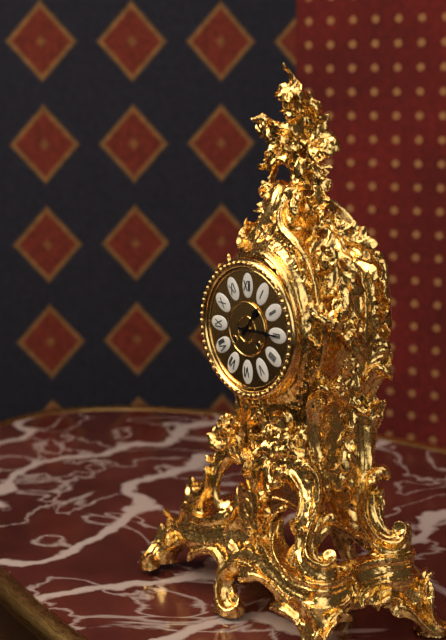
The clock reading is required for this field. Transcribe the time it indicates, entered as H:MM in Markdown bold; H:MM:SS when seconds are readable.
**1:15**
